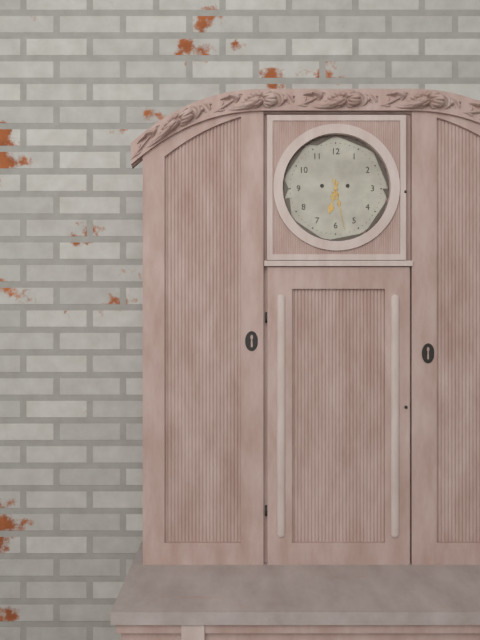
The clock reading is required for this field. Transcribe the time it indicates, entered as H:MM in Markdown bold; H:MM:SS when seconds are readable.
**6:28**
